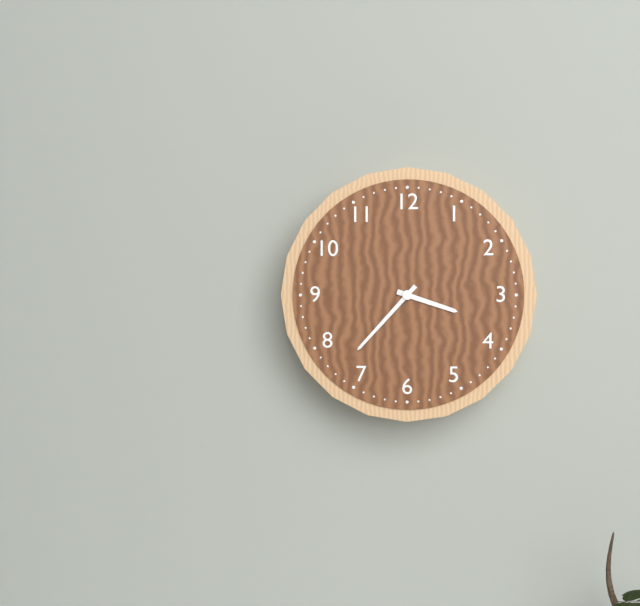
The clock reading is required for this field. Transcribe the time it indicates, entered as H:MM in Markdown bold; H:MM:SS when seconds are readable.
**3:37**
